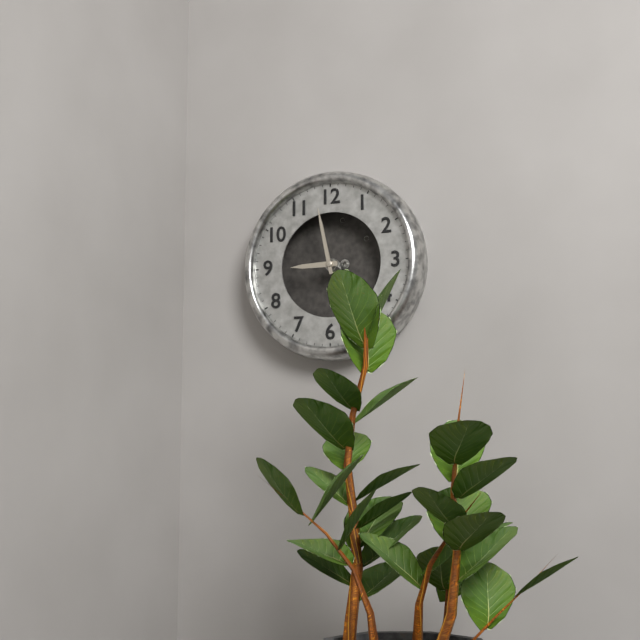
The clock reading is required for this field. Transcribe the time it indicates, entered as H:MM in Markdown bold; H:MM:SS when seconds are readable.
**8:58**
